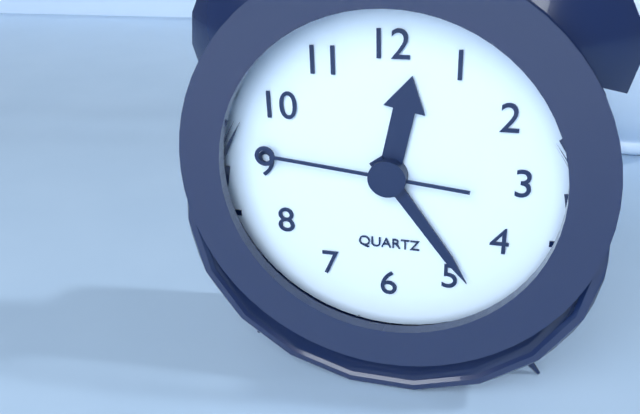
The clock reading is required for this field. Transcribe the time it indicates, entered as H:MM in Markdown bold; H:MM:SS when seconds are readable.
**12:24:46**
